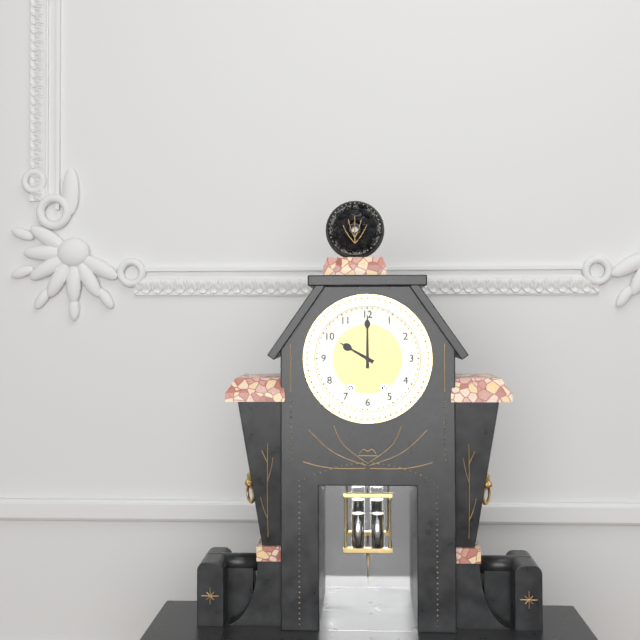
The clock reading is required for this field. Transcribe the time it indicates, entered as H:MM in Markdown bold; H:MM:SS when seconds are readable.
**10:00**
